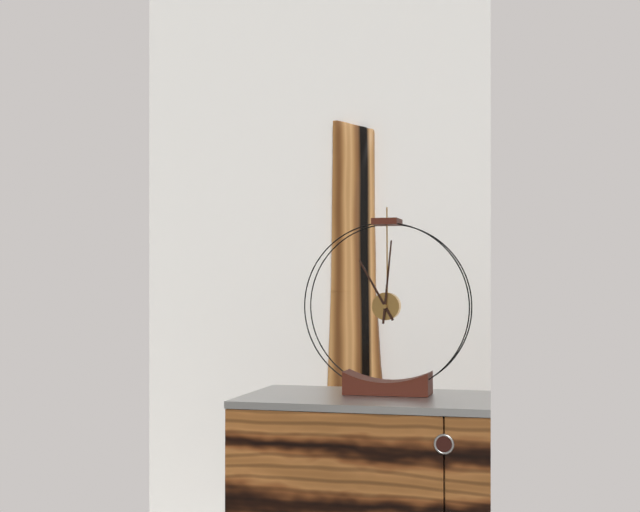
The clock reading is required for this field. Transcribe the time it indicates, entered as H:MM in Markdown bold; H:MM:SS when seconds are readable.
**11:01**
